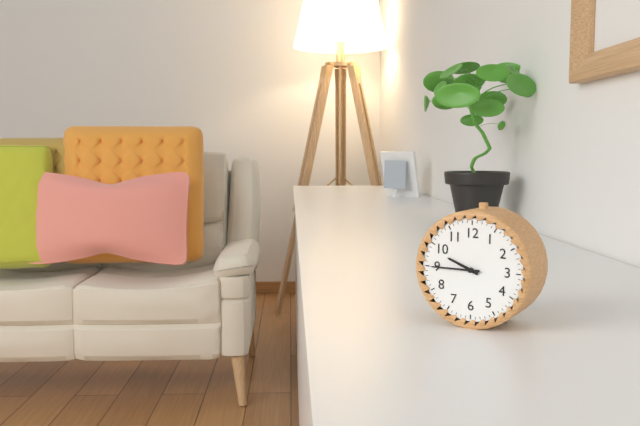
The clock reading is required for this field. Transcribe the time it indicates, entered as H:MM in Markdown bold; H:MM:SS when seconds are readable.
**9:45**
